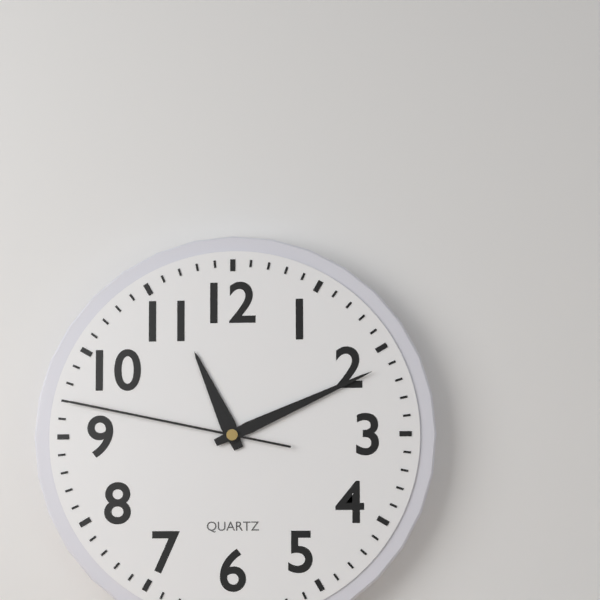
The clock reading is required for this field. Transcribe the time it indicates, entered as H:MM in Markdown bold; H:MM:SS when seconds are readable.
**11:11:47**
